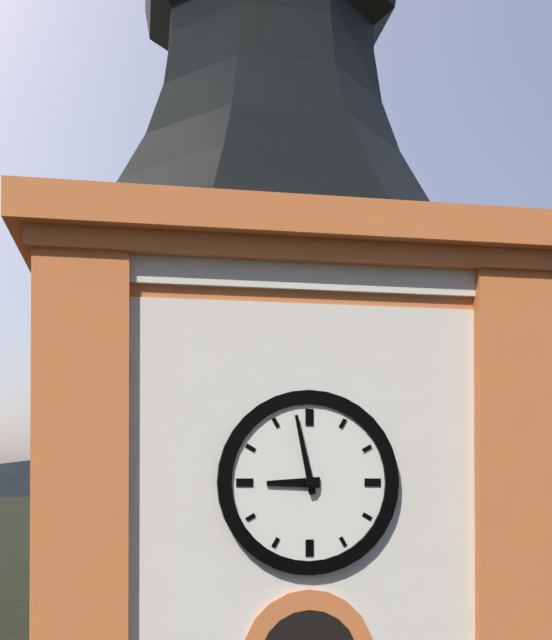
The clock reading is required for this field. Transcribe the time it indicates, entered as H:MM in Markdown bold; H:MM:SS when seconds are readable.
**8:58**
